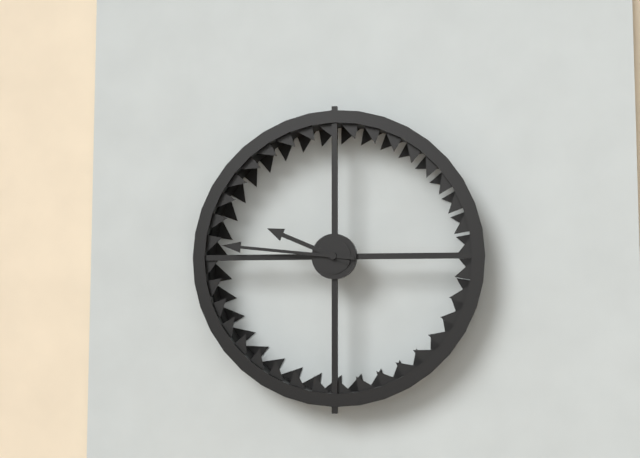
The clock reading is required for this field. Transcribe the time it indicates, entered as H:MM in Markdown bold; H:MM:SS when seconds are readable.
**9:46**
